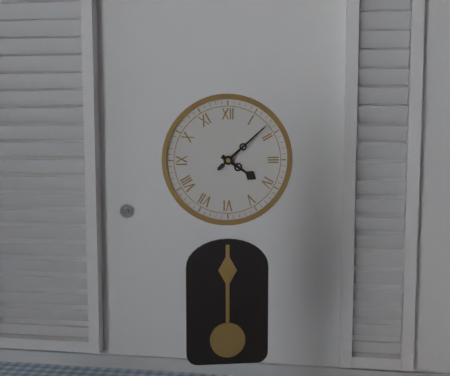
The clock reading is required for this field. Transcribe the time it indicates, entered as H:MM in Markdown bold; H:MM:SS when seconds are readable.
**4:08**
